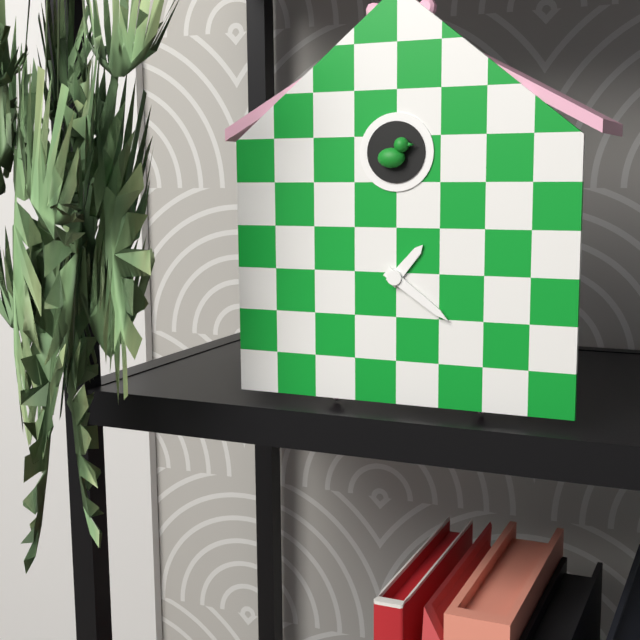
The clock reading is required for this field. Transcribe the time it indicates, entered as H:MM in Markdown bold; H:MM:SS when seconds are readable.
**1:21**
